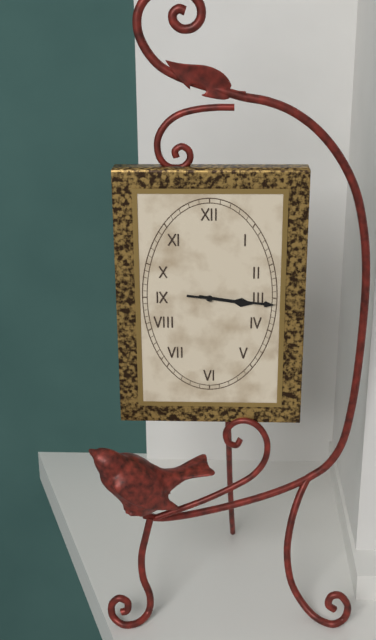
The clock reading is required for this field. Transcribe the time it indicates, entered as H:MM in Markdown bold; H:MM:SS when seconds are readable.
**3:16**
